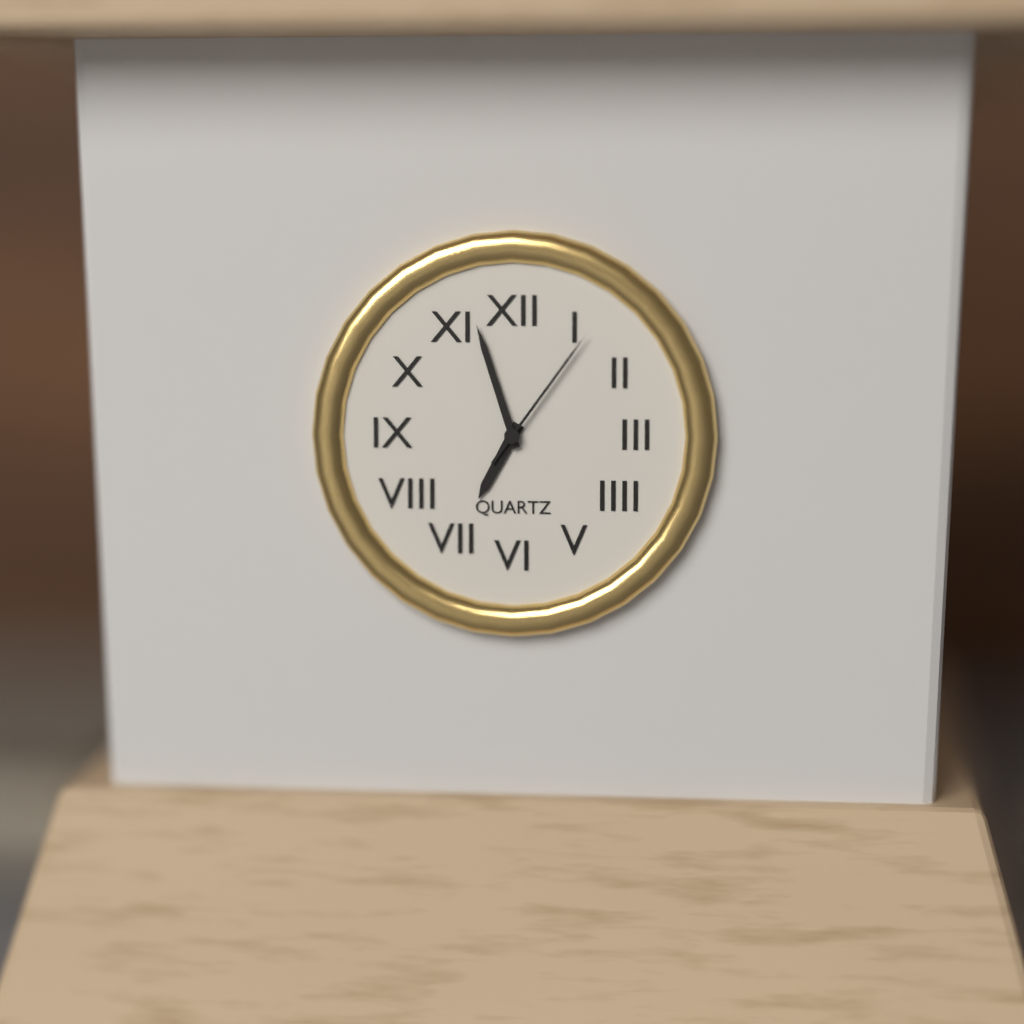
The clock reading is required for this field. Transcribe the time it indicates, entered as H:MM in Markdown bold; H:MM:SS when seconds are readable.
**6:57:06**
